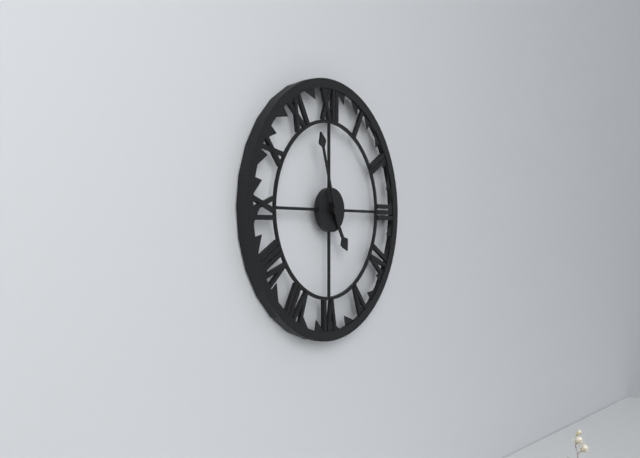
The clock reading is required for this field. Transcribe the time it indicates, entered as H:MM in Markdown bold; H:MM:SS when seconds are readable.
**4:57**
